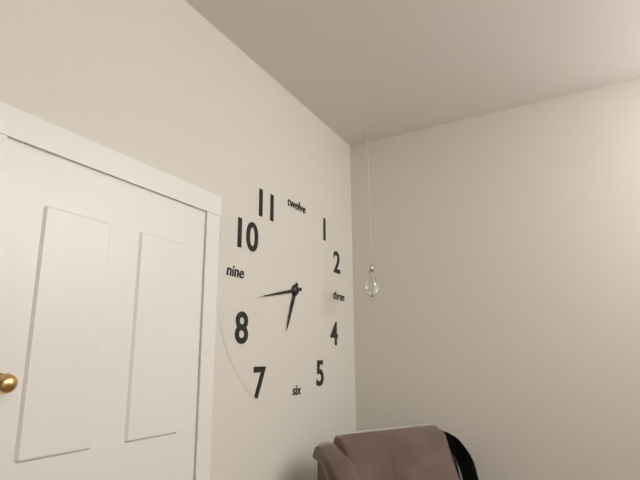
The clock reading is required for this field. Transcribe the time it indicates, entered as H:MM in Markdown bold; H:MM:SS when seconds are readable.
**6:43**
